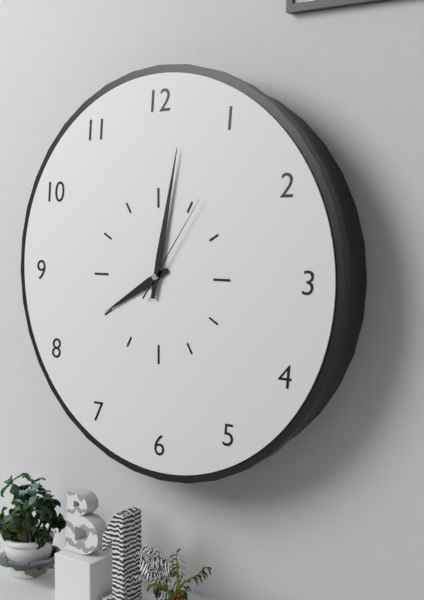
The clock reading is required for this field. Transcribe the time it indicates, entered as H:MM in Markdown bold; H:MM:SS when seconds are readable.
**8:02:06**
